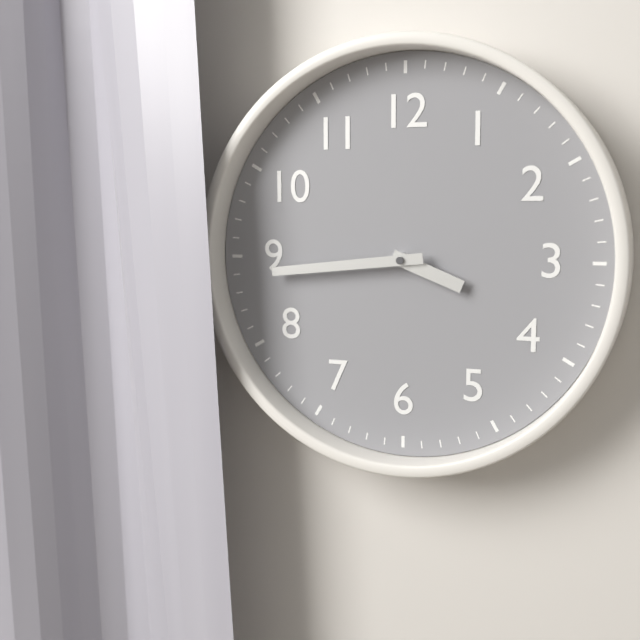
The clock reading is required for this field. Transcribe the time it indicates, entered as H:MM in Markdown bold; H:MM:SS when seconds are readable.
**3:44**
